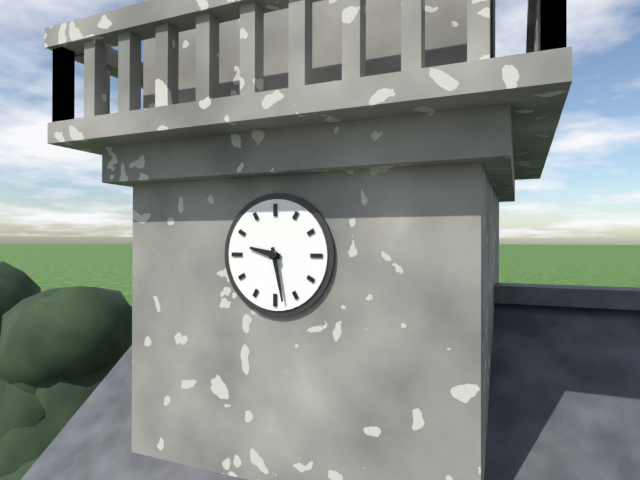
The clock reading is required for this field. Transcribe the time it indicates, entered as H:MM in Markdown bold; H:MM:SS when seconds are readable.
**9:28**
